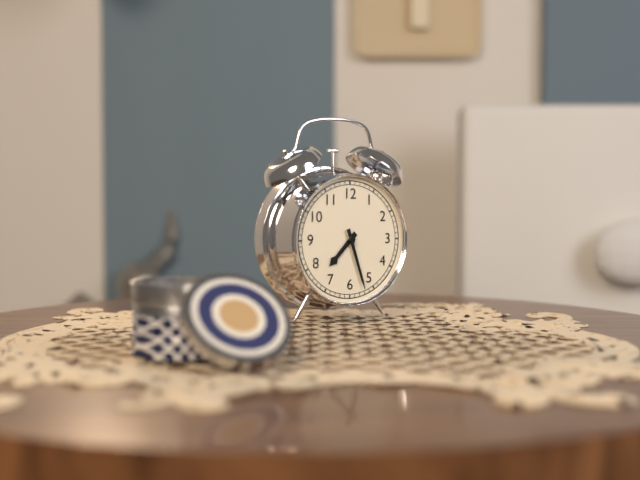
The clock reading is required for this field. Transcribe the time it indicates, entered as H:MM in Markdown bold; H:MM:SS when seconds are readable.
**7:27**
